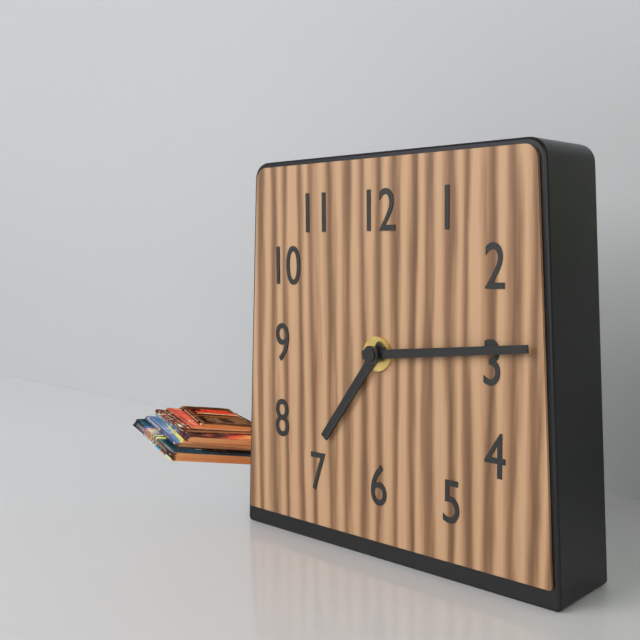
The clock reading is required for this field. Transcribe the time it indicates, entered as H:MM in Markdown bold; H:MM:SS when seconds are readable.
**7:14**
